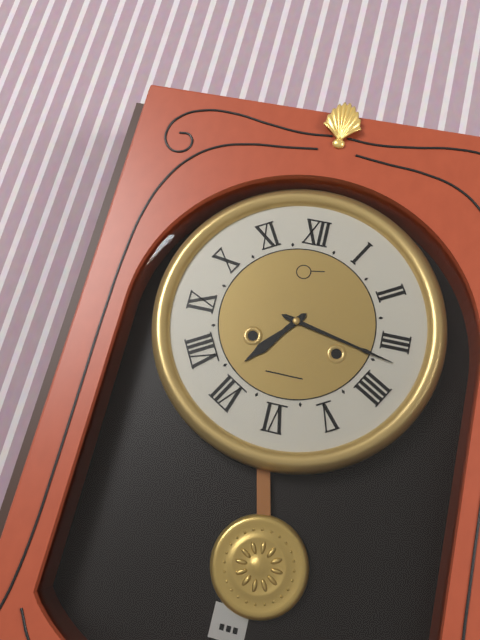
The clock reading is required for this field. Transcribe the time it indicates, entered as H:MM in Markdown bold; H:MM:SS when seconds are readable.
**7:17**
